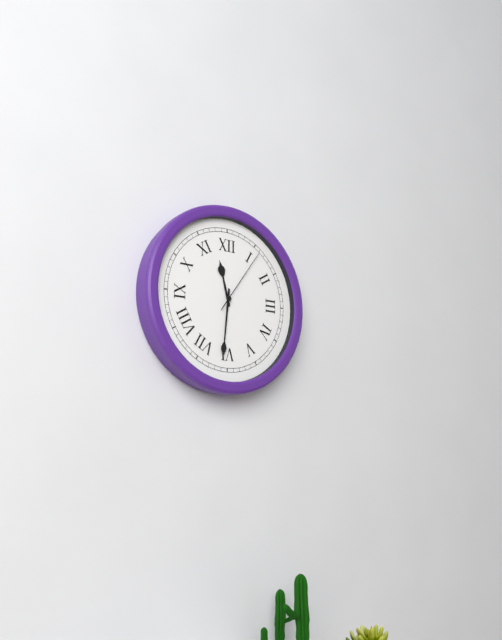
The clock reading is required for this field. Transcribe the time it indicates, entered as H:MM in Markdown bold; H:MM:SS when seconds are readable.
**11:31:06**
